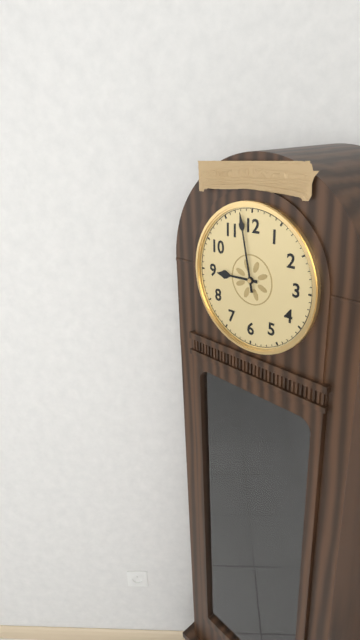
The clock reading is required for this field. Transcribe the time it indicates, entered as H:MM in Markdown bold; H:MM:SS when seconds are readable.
**8:58**
